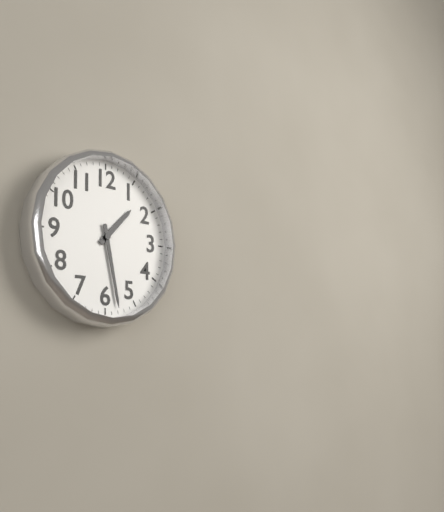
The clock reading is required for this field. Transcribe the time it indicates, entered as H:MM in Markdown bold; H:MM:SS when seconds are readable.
**1:28**
